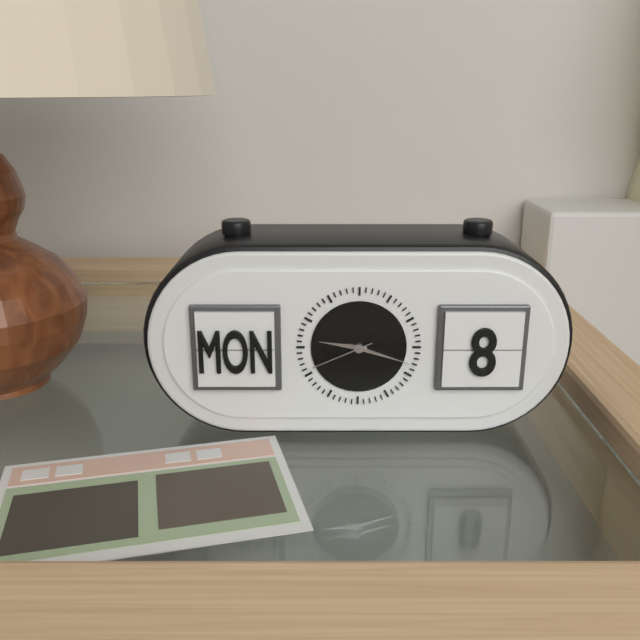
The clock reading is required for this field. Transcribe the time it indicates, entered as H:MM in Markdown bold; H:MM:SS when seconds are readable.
**9:18:41**
